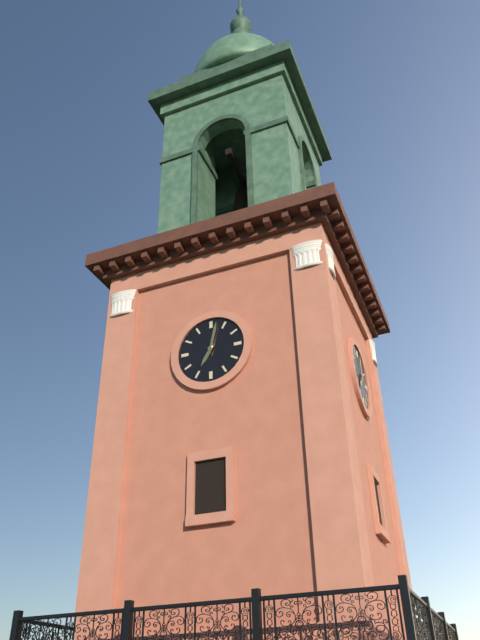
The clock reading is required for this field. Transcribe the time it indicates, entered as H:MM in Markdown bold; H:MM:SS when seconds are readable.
**7:02**
